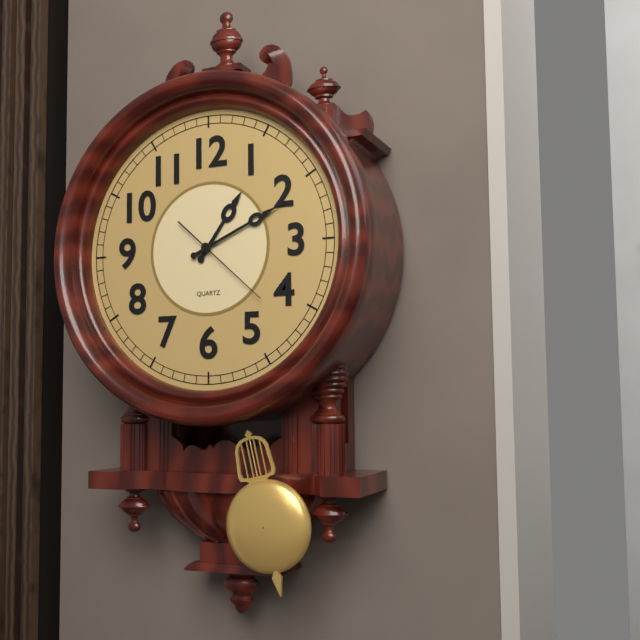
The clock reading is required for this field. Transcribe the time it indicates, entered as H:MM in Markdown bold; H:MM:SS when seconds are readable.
**1:11**
